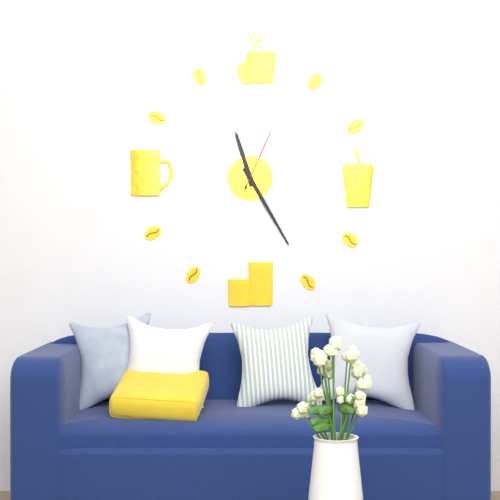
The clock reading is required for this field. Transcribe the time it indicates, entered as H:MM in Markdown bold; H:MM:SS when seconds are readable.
**11:25:04**
